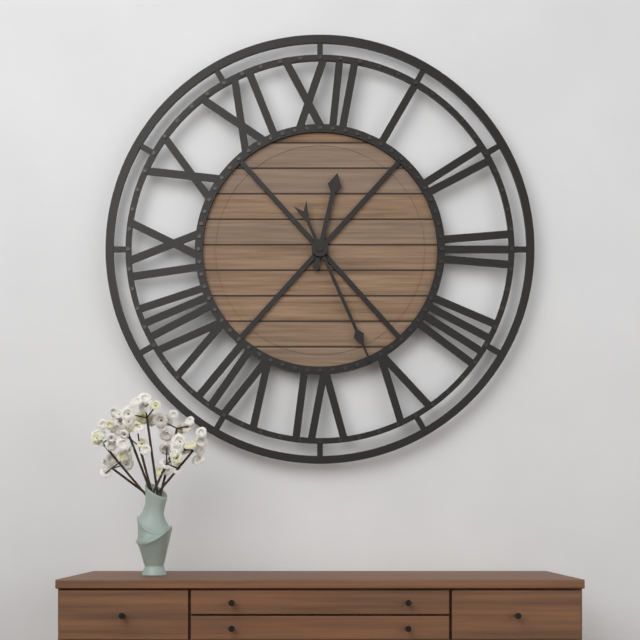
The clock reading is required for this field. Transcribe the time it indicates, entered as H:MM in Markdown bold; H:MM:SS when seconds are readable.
**12:26**
